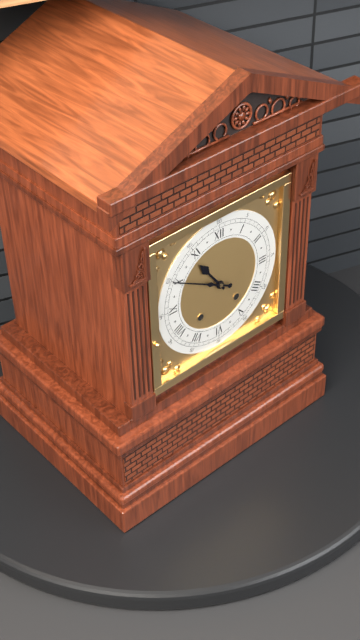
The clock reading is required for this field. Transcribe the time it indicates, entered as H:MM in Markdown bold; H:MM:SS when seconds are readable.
**10:50**
